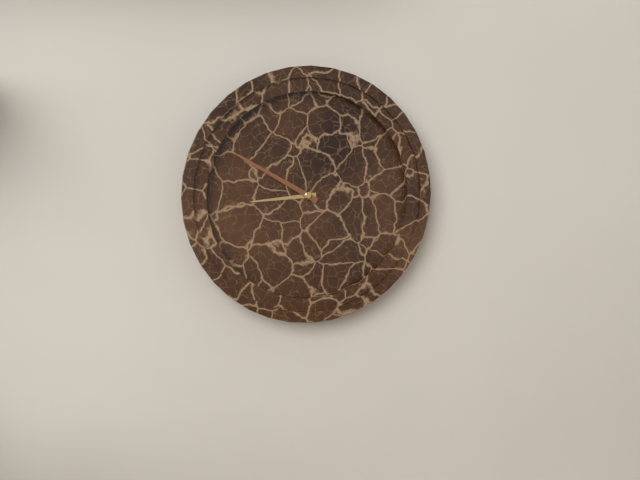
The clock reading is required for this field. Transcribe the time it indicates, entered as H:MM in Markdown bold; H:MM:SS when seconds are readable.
**8:50**
